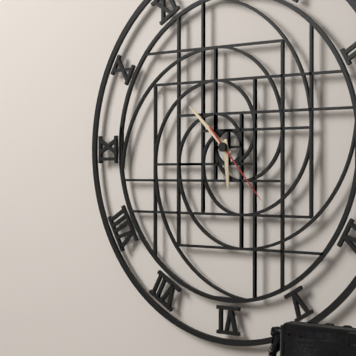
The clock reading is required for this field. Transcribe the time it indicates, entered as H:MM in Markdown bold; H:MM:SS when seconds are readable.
**5:52:23**
